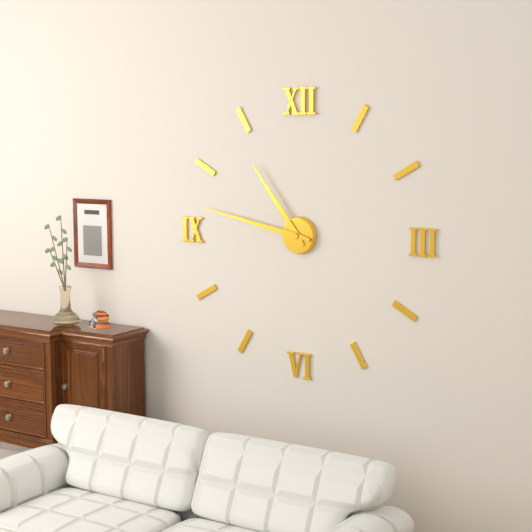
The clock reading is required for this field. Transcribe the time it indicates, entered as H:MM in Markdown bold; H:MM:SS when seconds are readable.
**10:47**
